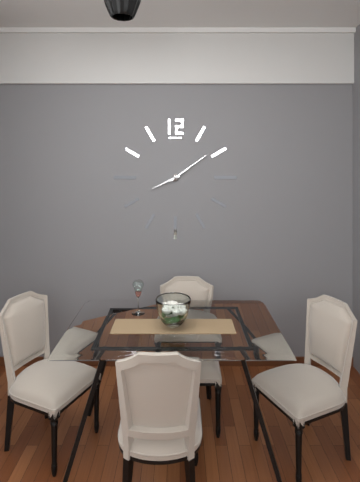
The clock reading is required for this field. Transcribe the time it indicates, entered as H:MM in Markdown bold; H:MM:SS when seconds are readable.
**8:09**
